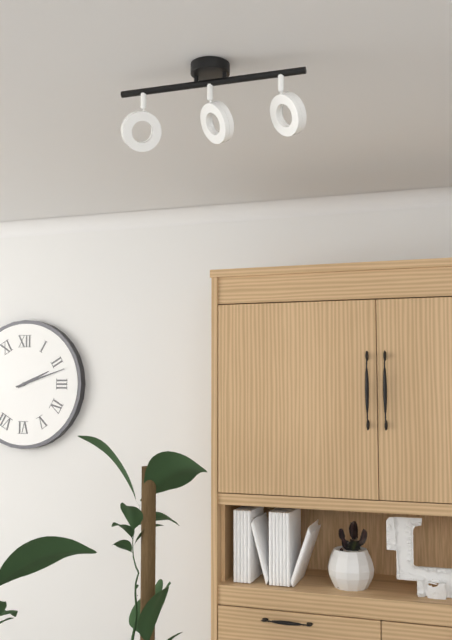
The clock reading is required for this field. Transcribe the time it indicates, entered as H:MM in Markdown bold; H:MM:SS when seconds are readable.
**2:12**
